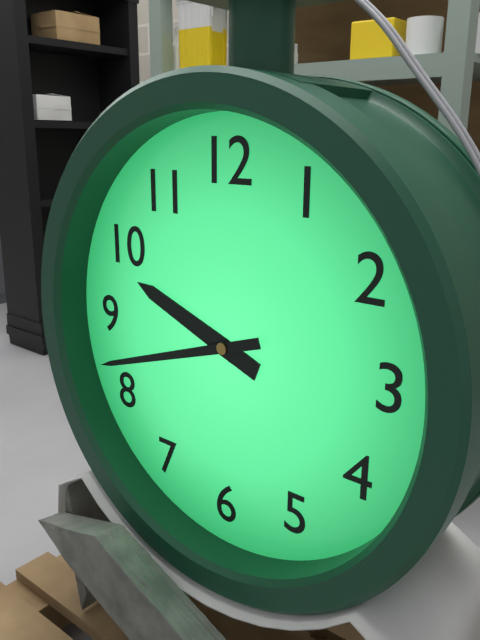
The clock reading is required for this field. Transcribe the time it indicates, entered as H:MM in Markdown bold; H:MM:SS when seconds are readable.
**9:42**
